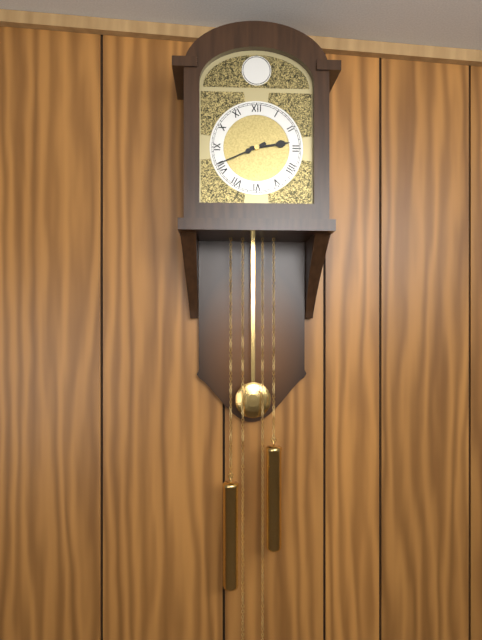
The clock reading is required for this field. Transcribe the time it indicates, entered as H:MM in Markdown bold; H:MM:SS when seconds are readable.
**2:41**
